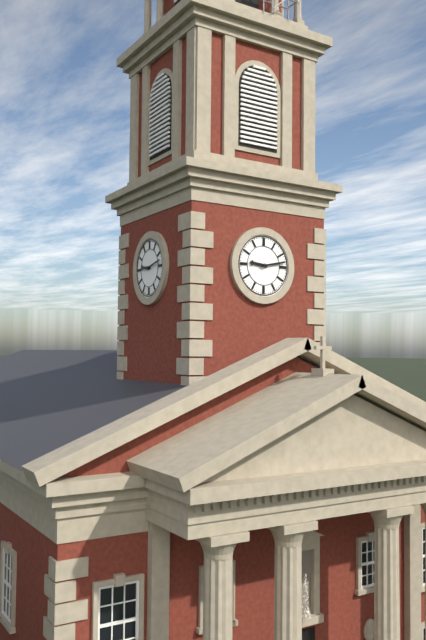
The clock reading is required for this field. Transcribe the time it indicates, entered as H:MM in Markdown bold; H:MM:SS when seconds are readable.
**9:13**
